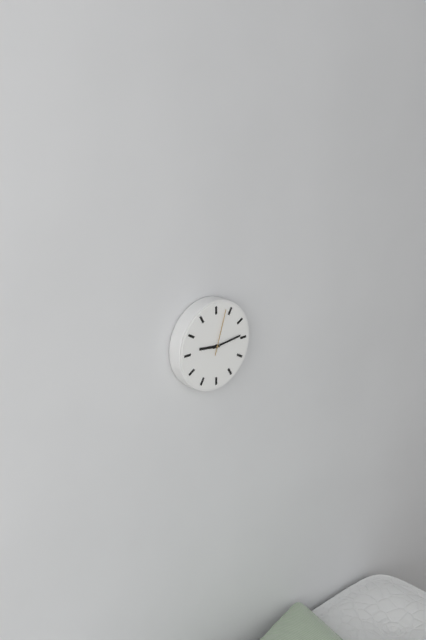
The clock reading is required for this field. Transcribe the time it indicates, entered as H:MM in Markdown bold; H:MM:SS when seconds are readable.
**9:14**
